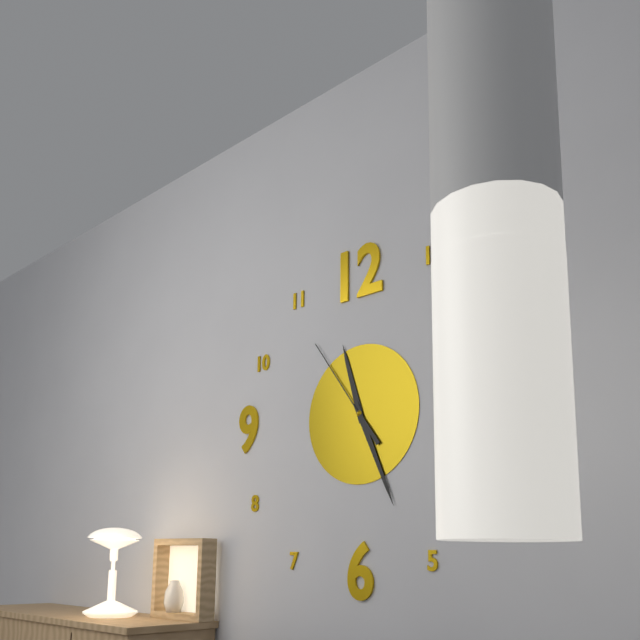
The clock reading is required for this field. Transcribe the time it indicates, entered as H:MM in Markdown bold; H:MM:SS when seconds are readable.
**11:26:54**
